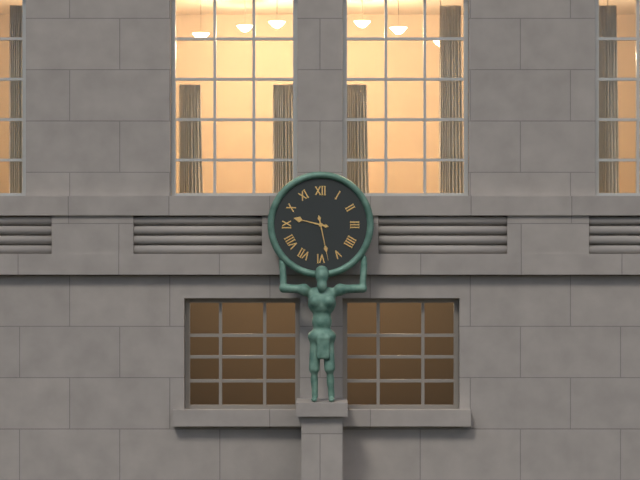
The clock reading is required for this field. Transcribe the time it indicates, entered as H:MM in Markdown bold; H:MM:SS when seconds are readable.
**9:28**
